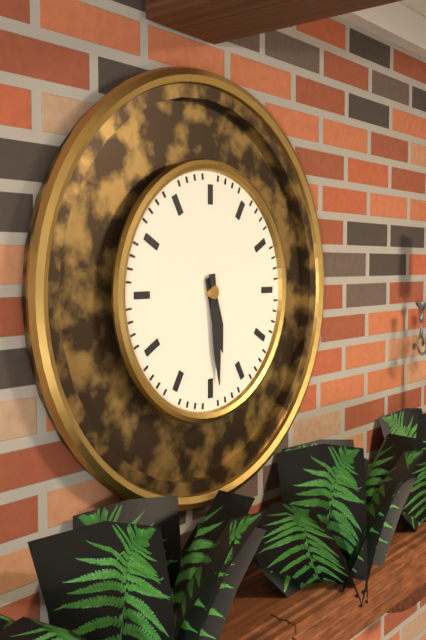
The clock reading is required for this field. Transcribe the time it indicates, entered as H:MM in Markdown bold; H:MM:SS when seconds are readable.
**5:29**
